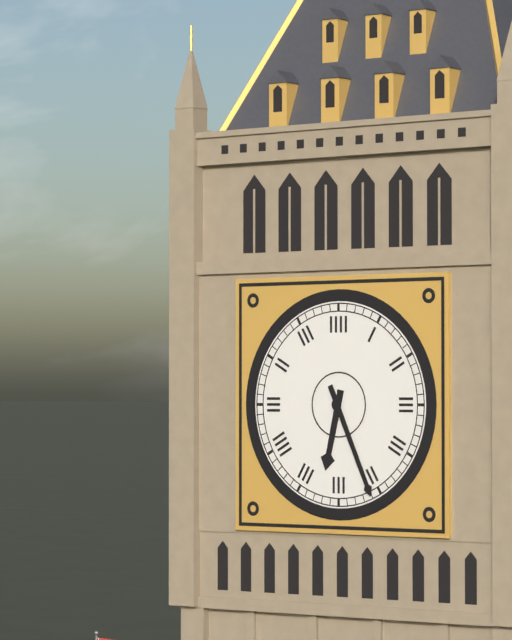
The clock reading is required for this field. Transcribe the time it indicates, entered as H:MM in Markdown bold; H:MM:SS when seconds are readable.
**6:26**
